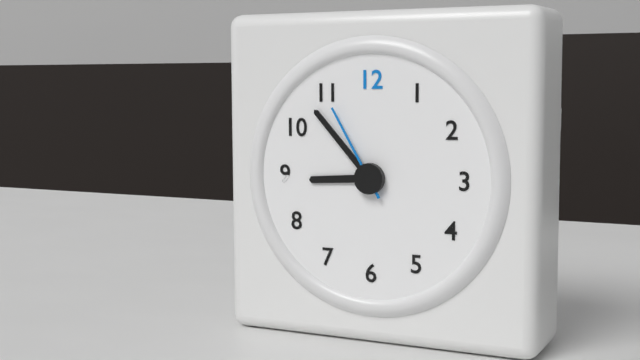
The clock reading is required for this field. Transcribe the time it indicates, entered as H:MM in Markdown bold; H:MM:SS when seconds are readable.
**8:53:55**
